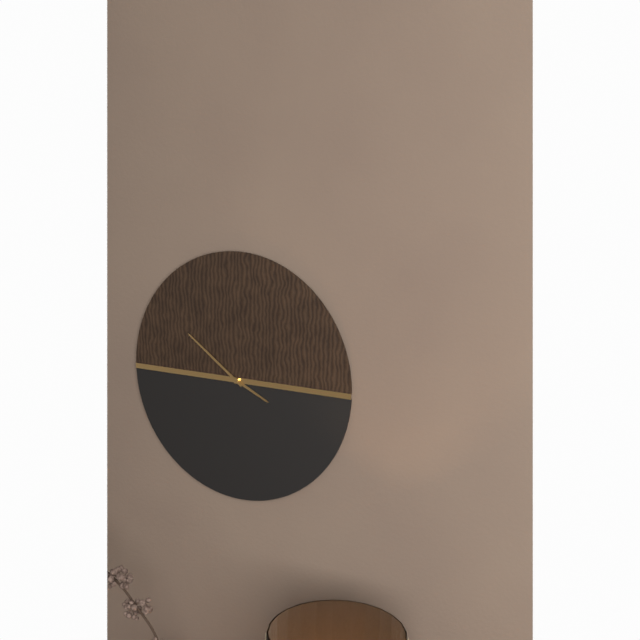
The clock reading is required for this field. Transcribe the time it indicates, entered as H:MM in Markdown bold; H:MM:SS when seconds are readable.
**3:51**
